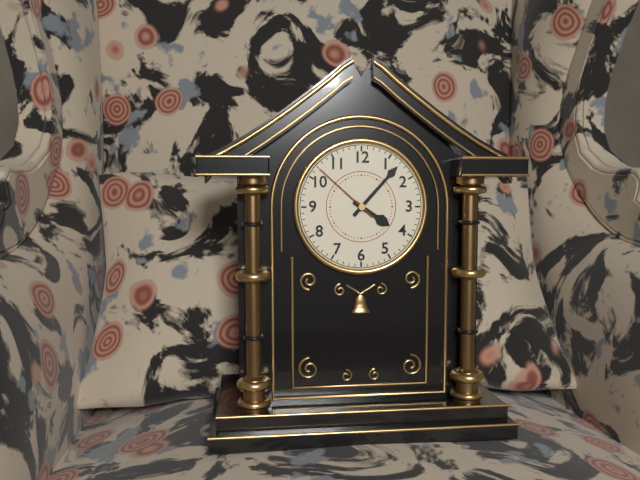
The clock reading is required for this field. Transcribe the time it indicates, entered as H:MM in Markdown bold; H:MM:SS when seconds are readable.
**4:07:52**
